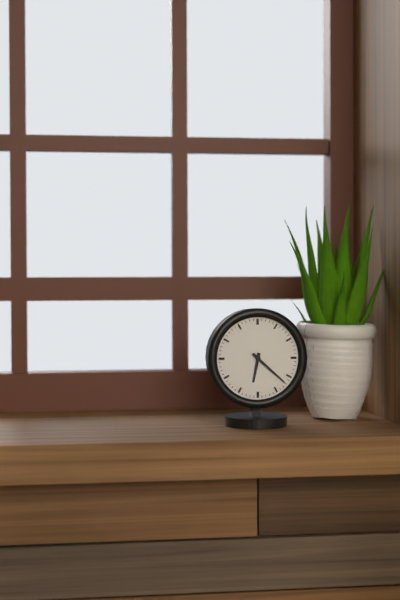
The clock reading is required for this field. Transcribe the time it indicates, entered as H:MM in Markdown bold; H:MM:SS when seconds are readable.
**6:22**
